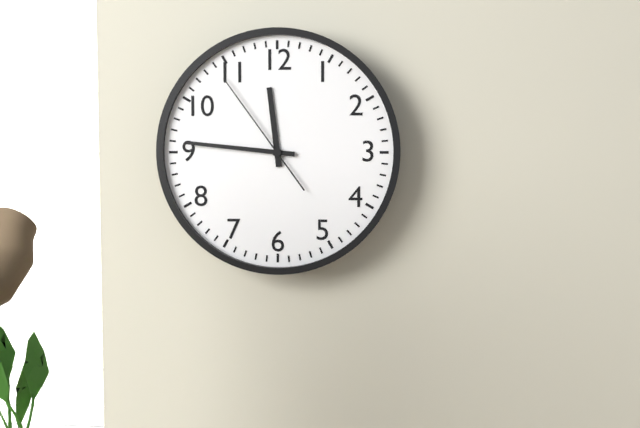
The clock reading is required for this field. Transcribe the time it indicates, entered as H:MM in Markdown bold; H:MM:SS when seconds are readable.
**11:46:54**
